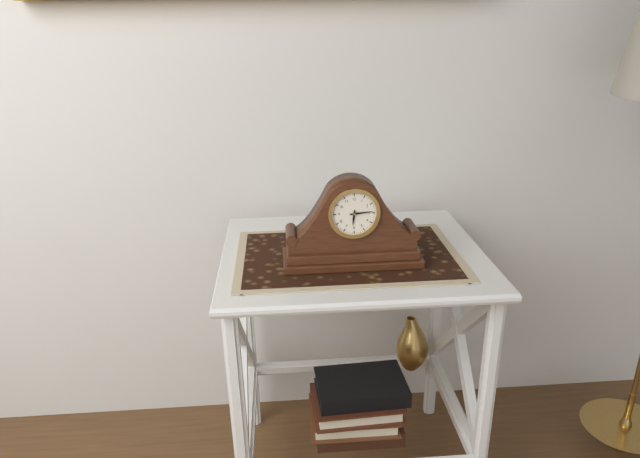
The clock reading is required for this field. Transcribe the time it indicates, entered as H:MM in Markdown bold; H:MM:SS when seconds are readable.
**6:14**
